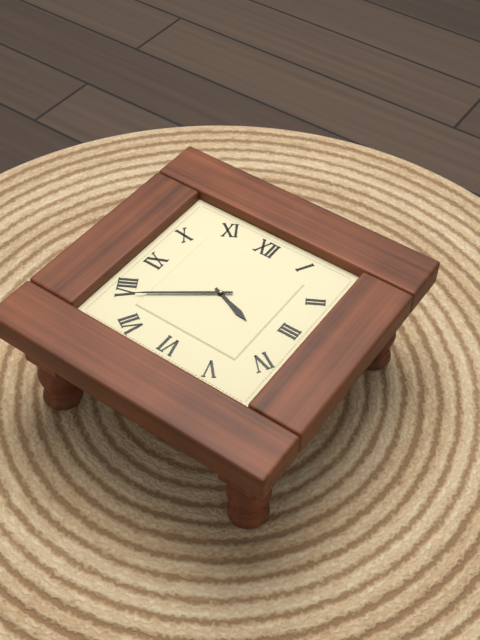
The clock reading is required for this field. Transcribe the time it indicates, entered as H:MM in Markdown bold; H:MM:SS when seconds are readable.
**3:39**
